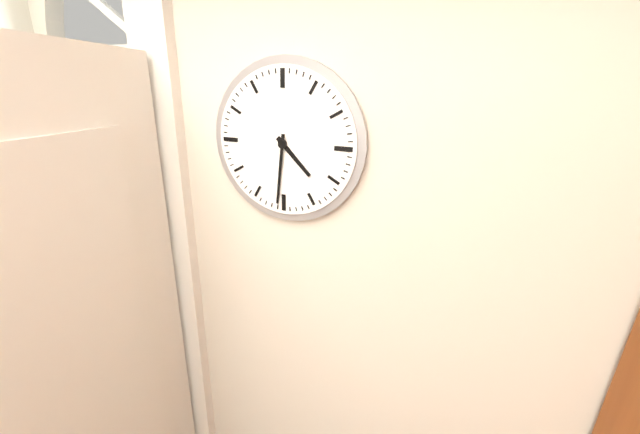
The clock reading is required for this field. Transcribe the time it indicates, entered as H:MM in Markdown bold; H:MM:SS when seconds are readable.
**4:31**
